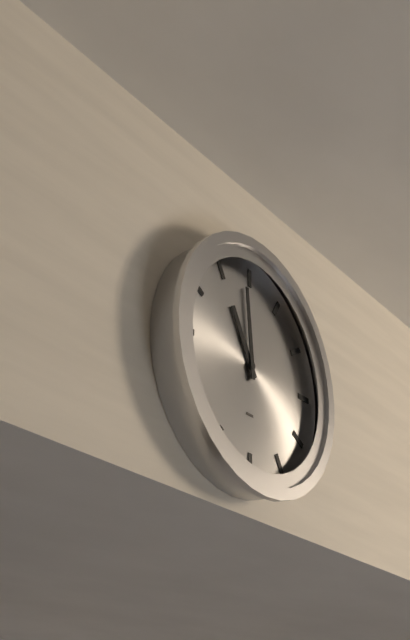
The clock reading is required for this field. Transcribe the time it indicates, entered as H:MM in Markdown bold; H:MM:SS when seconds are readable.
**10:59**
